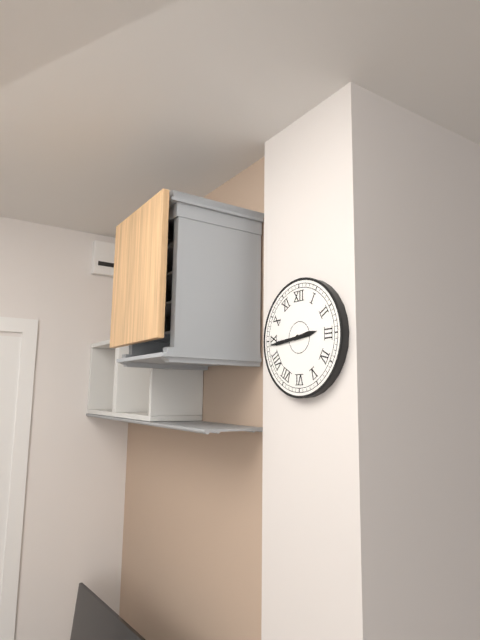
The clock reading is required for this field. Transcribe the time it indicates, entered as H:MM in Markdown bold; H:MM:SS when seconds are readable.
**2:44**
